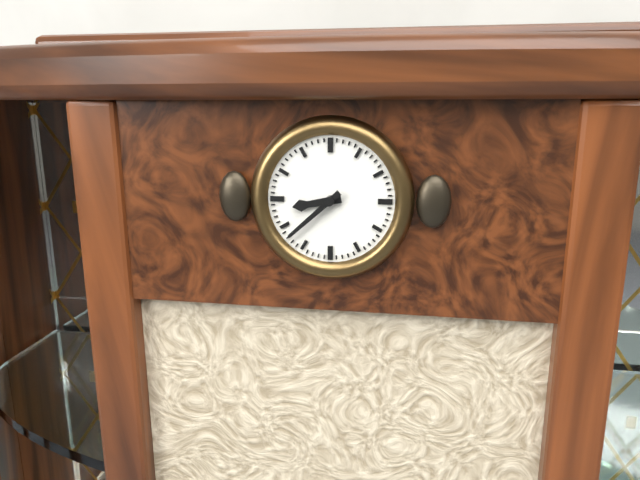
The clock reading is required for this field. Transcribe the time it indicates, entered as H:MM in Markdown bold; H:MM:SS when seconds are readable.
**8:38**
